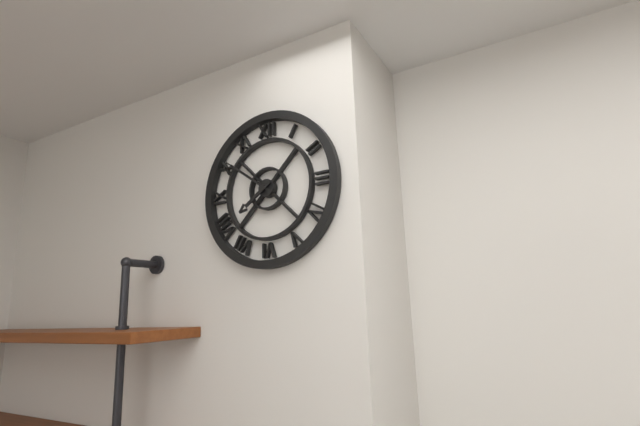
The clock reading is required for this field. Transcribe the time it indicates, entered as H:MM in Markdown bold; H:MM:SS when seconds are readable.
**7:51**
